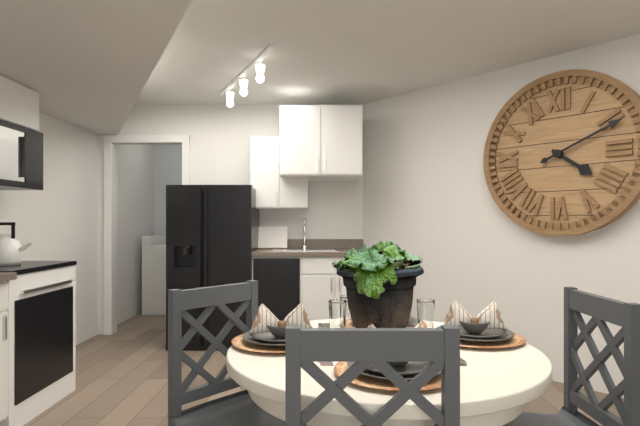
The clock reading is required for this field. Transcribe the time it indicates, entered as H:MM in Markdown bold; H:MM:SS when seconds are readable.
**4:11**
